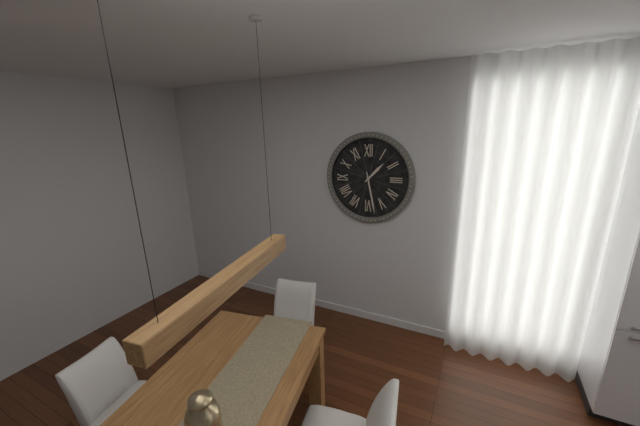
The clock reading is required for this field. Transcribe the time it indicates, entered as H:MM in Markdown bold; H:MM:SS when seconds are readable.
**1:28**
